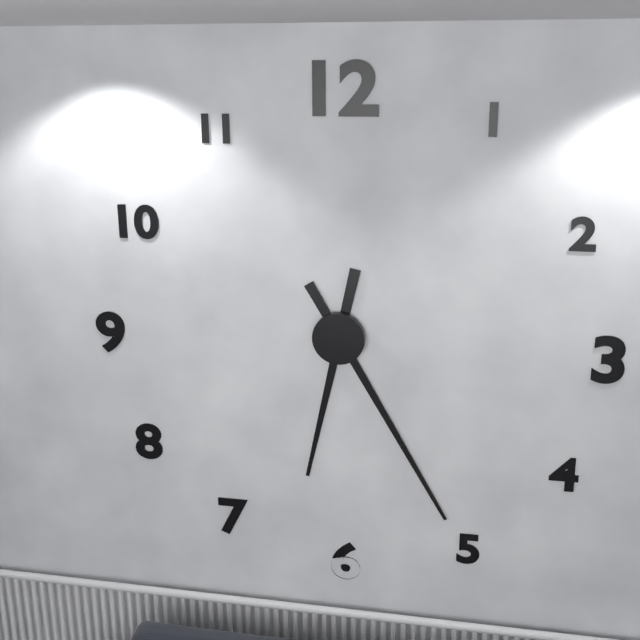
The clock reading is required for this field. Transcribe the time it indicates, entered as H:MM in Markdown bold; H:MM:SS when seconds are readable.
**6:25**
